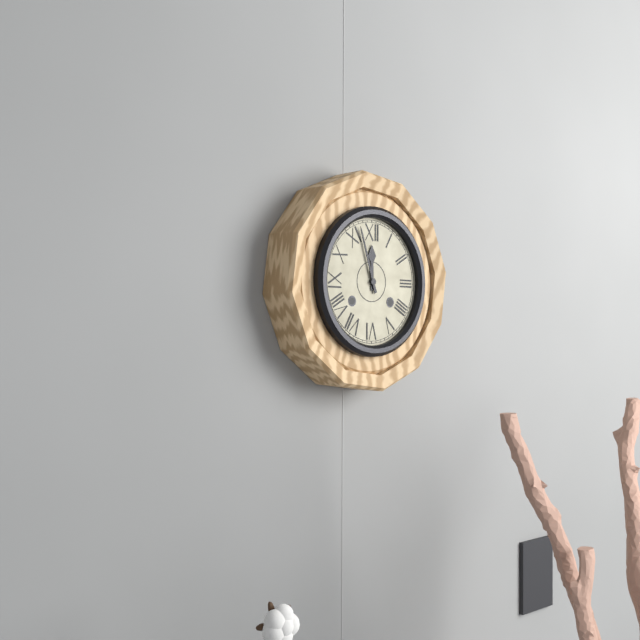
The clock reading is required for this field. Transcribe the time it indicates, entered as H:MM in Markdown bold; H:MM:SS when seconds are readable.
**11:57**
